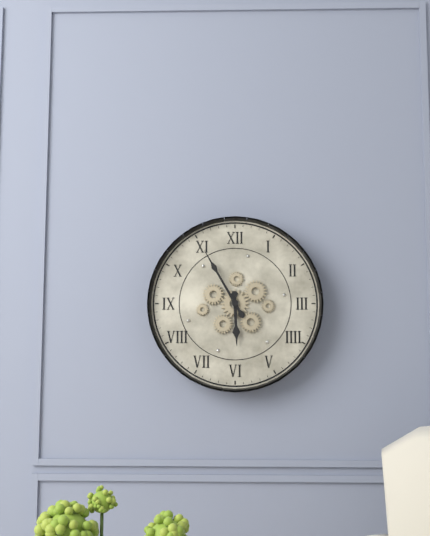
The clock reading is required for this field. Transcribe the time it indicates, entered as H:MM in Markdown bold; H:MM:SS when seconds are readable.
**5:55**
